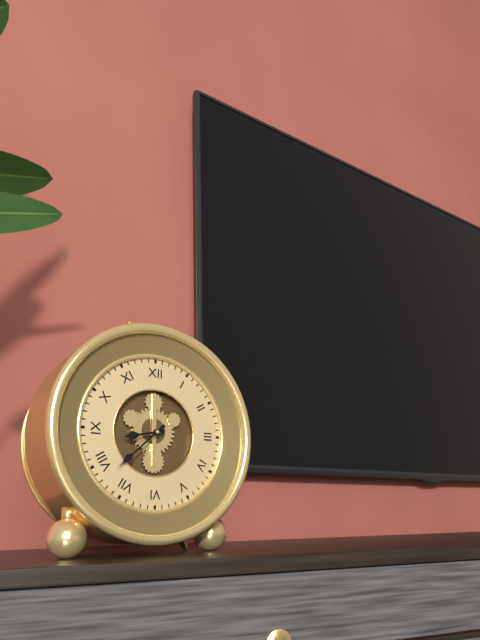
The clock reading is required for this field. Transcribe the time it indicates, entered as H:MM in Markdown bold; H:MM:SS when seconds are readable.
**8:38**
